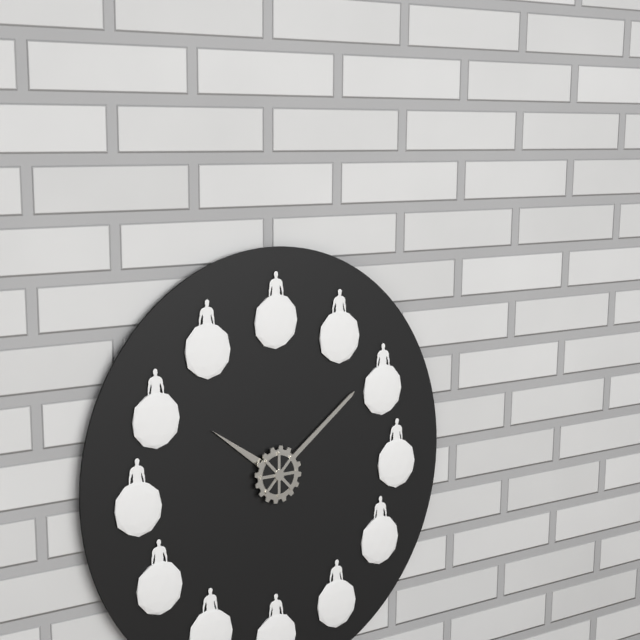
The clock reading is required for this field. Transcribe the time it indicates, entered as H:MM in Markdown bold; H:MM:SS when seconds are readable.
**10:09**
